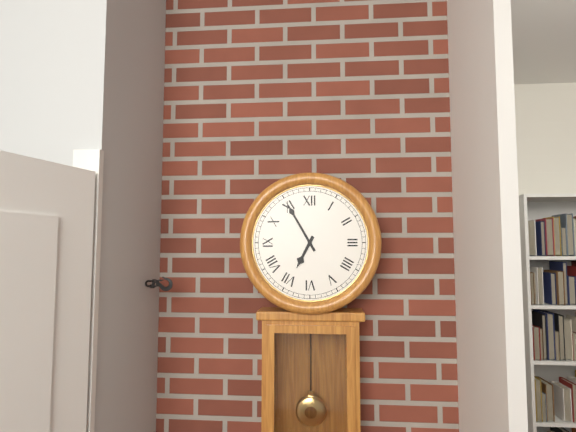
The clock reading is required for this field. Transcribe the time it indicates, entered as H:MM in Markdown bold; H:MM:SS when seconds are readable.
**6:55**
